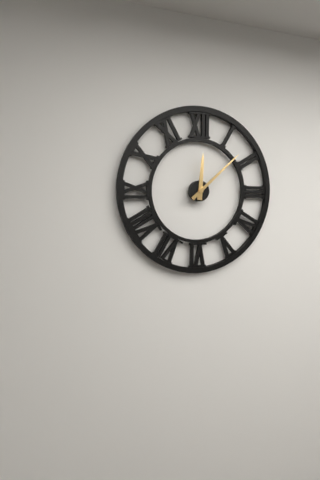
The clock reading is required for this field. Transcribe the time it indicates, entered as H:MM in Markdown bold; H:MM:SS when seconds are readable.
**12:08**
